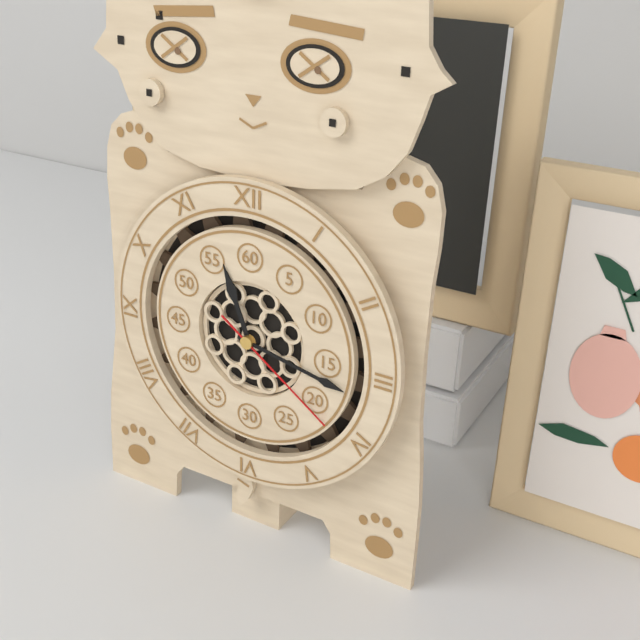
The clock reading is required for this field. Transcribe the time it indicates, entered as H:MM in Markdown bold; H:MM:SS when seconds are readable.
**11:17:21**
